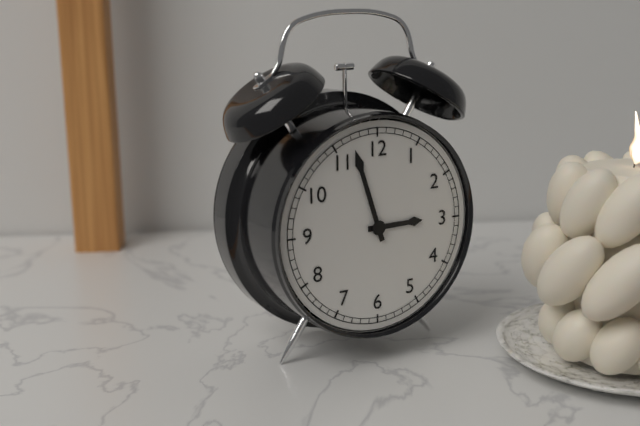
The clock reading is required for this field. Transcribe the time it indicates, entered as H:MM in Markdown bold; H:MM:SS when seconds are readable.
**2:57**
